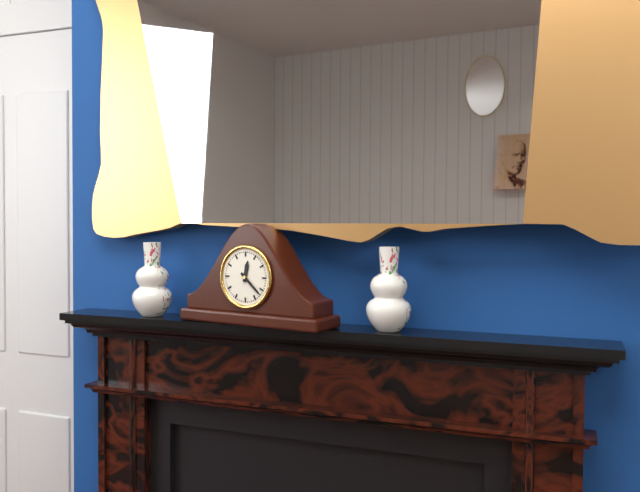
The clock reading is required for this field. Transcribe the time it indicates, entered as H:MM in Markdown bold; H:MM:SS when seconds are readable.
**12:22**
